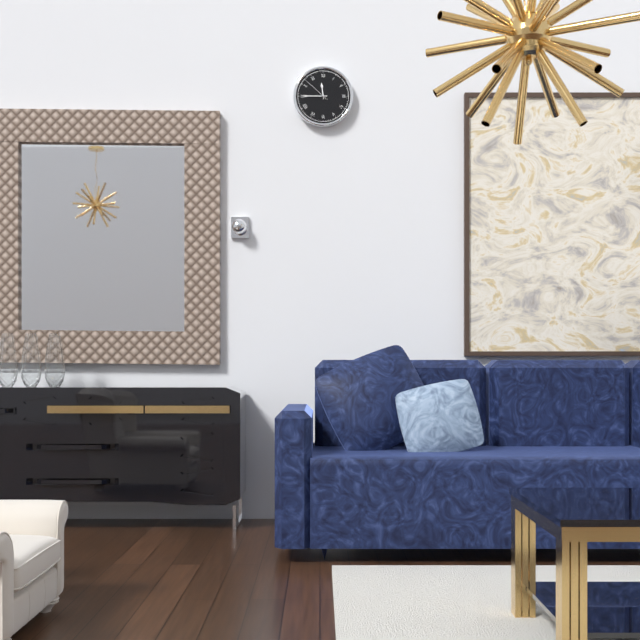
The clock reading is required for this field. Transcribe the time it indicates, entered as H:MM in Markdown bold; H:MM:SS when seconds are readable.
**11:45**
